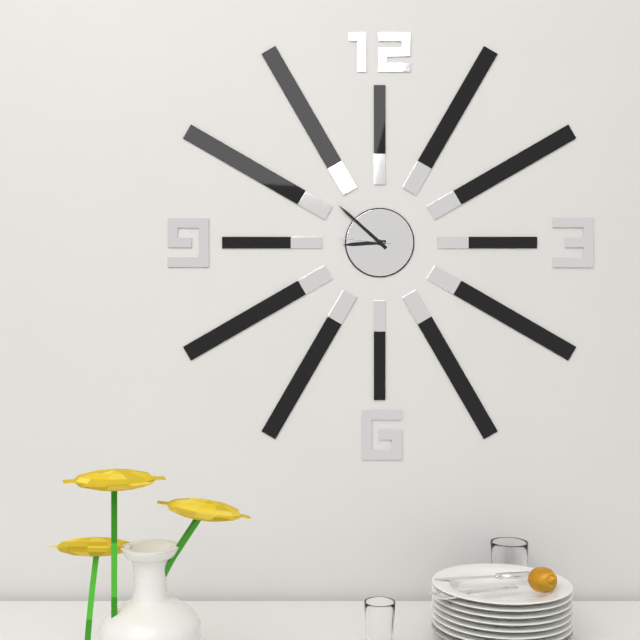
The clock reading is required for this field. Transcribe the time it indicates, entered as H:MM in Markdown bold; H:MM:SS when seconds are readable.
**8:52:46**
